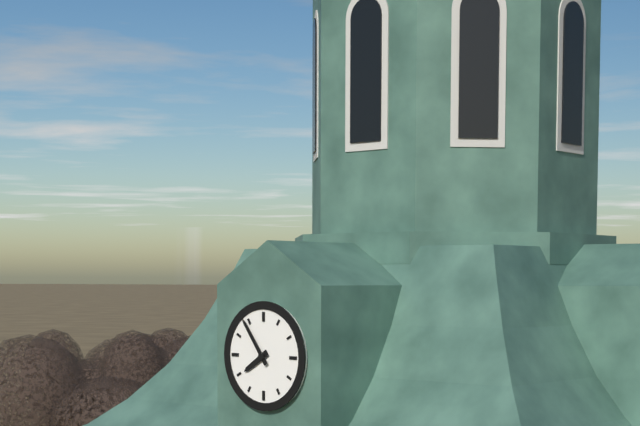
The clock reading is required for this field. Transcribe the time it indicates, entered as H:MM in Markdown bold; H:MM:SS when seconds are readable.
**7:54**
